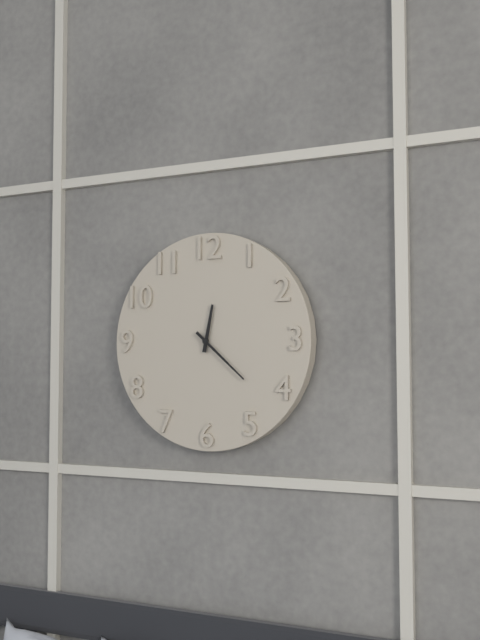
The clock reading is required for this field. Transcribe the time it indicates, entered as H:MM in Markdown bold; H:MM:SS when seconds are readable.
**12:22**
